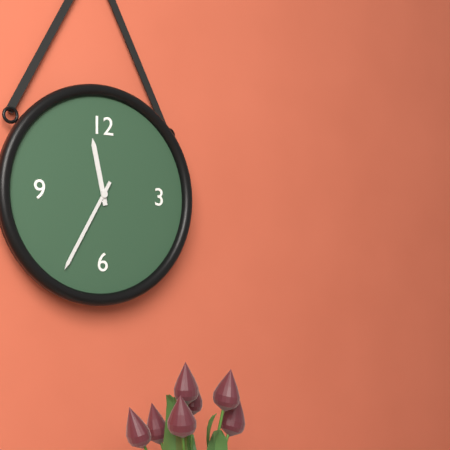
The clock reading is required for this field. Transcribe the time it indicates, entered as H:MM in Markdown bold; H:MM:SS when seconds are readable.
**11:35**
